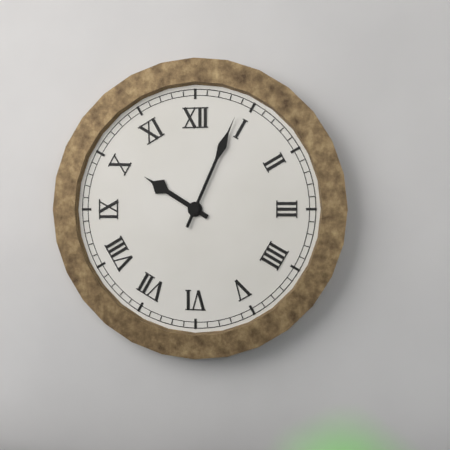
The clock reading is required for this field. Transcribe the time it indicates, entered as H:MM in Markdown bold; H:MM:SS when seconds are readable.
**10:04**
